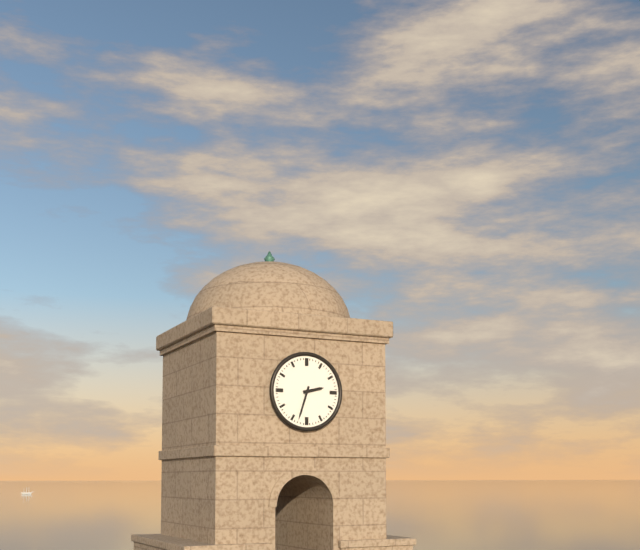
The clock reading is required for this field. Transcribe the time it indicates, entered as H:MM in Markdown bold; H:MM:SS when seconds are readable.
**2:33**
